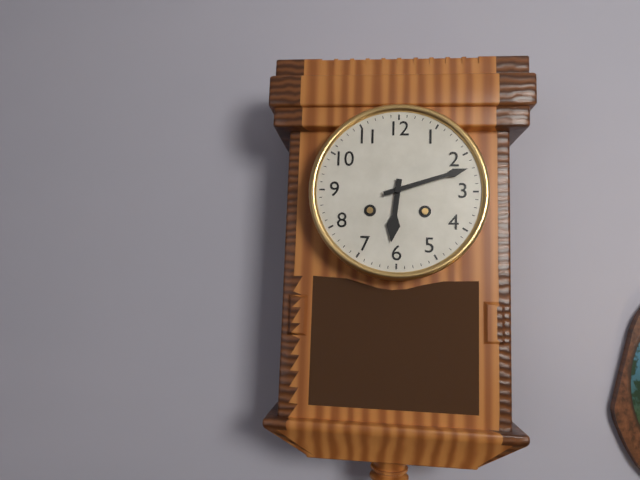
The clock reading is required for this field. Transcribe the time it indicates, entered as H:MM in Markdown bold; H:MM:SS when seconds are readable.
**6:12**
